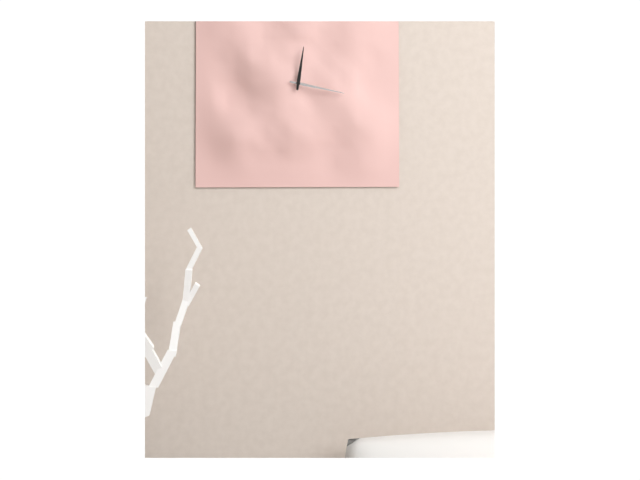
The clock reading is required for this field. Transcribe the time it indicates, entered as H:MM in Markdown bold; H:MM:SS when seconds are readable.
**12:17**
